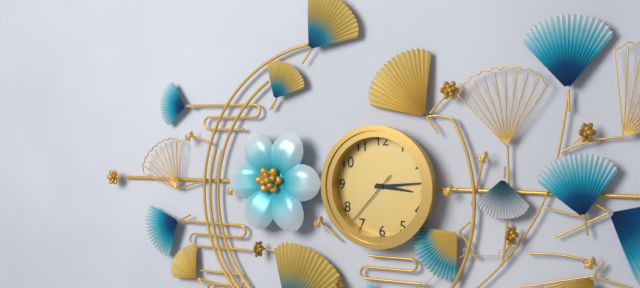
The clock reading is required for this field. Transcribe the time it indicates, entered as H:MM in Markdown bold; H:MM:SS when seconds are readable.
**3:14:37**
